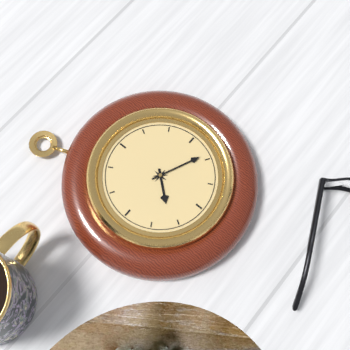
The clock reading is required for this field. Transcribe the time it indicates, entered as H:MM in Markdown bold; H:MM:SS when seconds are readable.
**7:19**
